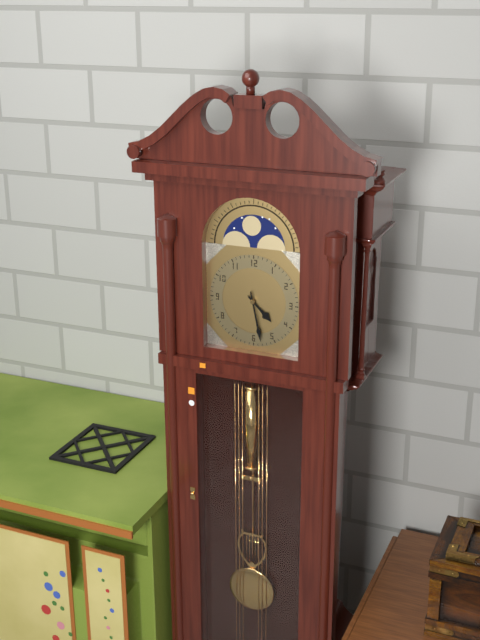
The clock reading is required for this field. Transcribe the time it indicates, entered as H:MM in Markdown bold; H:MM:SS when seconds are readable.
**4:28**
